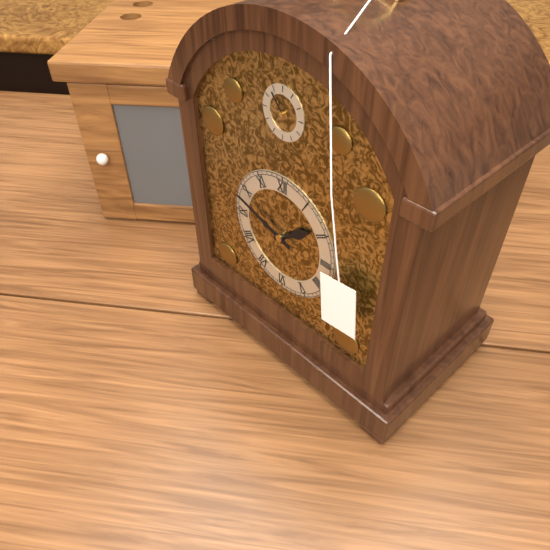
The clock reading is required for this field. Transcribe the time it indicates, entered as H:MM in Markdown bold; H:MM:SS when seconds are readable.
**1:48**
